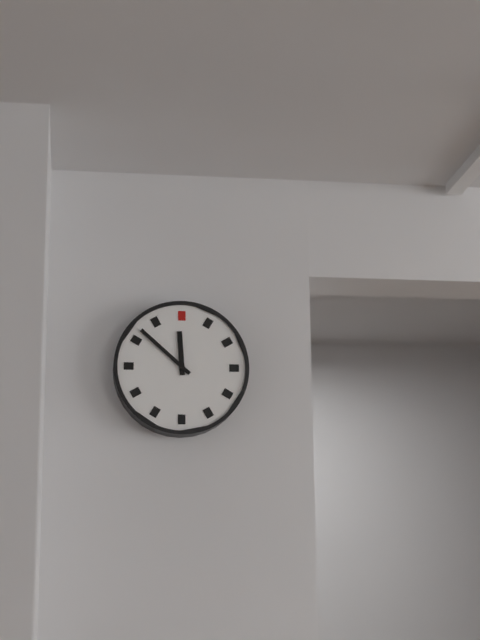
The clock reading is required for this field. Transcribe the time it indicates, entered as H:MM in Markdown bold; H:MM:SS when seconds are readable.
**11:52**
